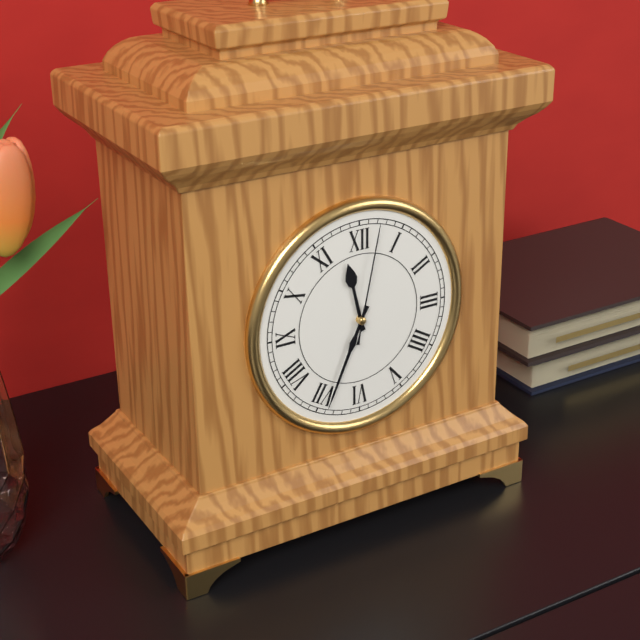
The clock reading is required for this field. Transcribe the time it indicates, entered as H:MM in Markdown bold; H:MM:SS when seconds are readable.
**11:34:02**
